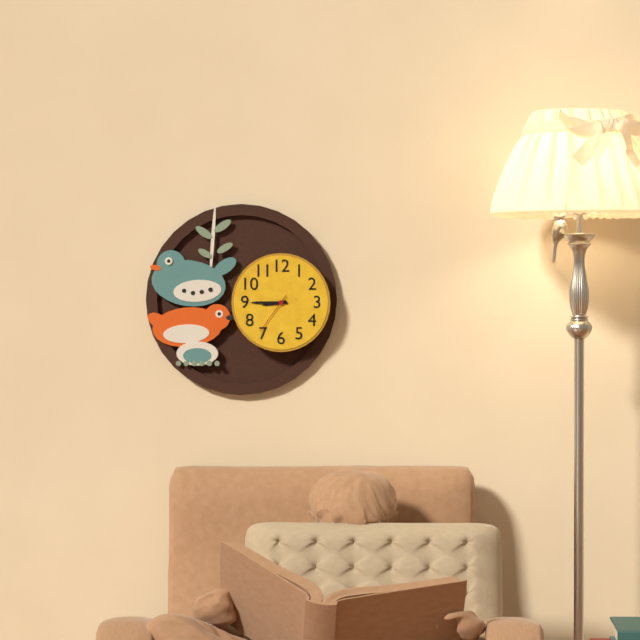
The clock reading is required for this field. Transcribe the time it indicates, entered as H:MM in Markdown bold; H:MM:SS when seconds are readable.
**8:45**
